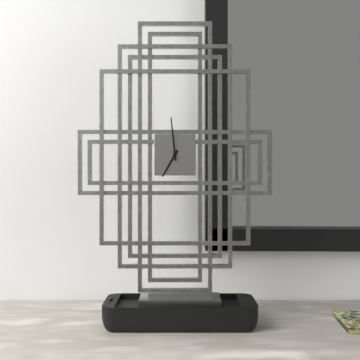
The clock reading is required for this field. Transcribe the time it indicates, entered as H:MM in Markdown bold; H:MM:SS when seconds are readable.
**6:59**
